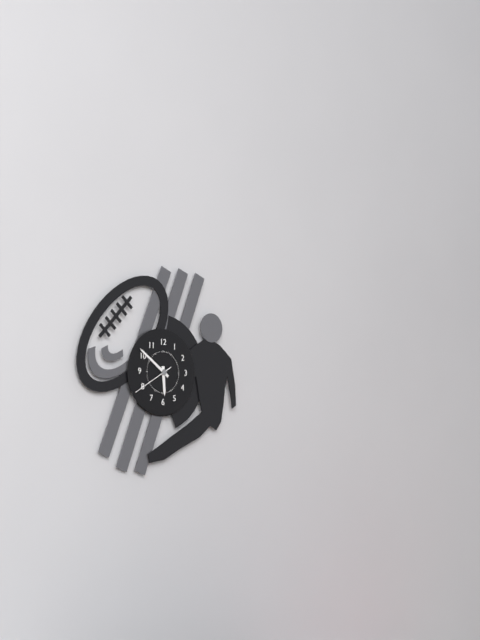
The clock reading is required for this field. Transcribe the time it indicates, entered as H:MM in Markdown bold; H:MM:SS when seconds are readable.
**5:51**
